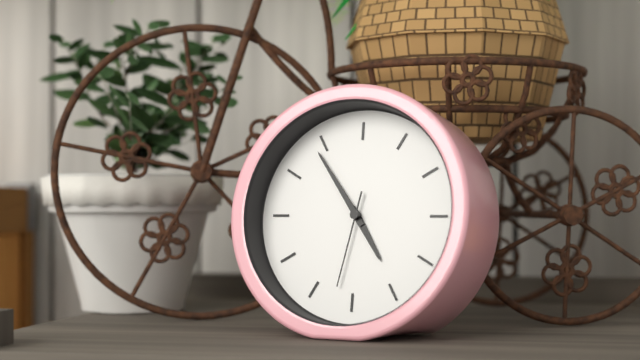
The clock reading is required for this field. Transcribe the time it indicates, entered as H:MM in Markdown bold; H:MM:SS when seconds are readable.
**4:54:32**
